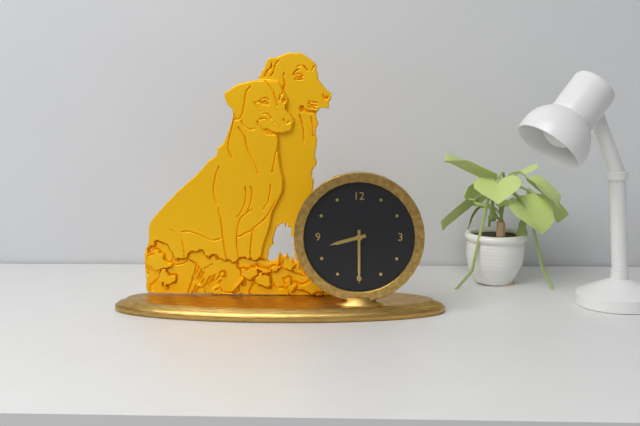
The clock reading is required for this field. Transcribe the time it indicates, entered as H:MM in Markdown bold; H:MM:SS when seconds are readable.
**8:30**
